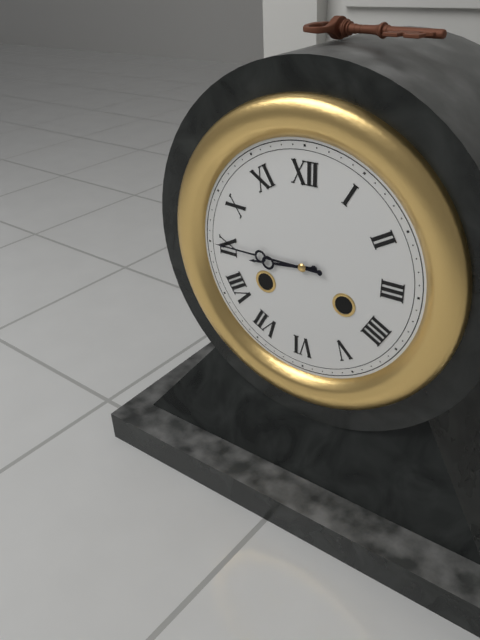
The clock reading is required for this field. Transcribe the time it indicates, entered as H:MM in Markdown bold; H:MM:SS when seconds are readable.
**8:45**
